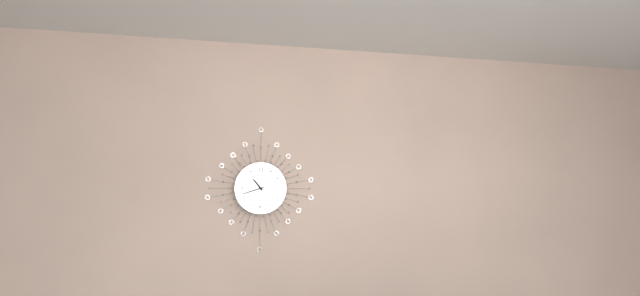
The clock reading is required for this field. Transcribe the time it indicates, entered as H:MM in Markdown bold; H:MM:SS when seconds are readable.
**10:42**
